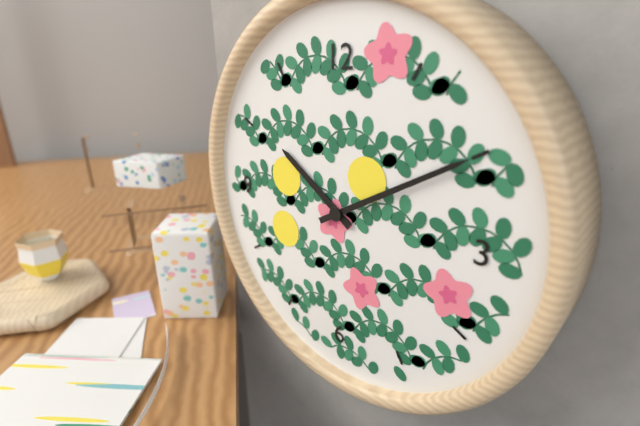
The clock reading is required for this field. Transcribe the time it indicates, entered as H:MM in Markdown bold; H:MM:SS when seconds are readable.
**10:10**
